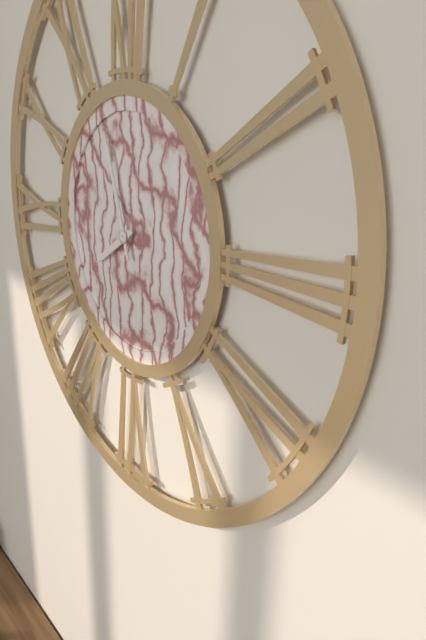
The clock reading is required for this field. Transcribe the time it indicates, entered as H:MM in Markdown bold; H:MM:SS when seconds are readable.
**7:57**
